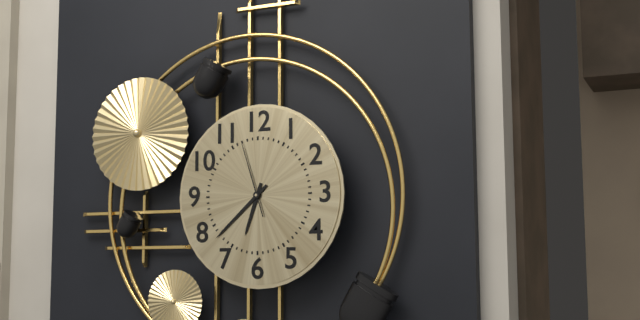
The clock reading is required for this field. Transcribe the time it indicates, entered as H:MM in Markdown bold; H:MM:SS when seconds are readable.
**6:38:57**
